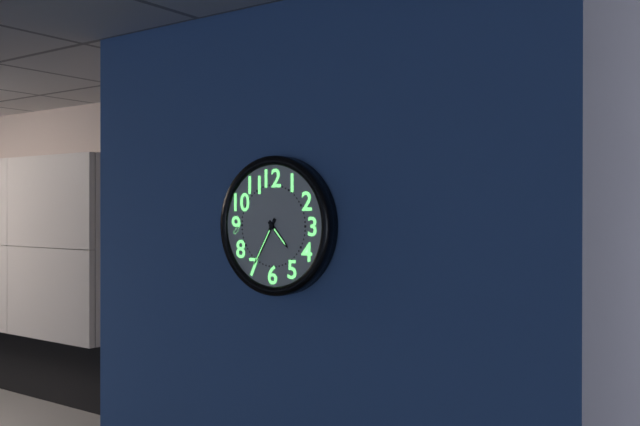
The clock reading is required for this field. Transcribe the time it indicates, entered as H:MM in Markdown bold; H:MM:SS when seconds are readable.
**4:35**
